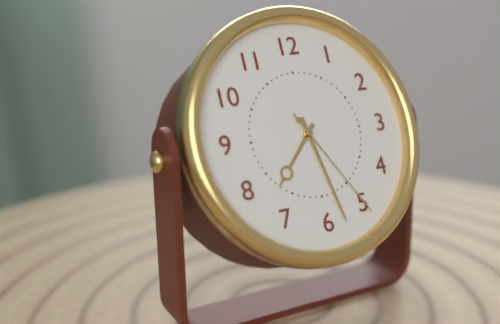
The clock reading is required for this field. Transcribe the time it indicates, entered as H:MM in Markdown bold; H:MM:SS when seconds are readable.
**7:28:25**
